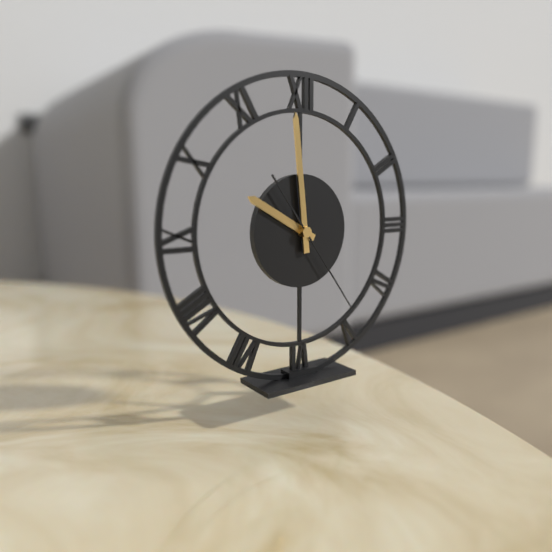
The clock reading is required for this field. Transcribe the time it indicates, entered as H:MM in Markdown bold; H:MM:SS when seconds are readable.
**9:59:24**
